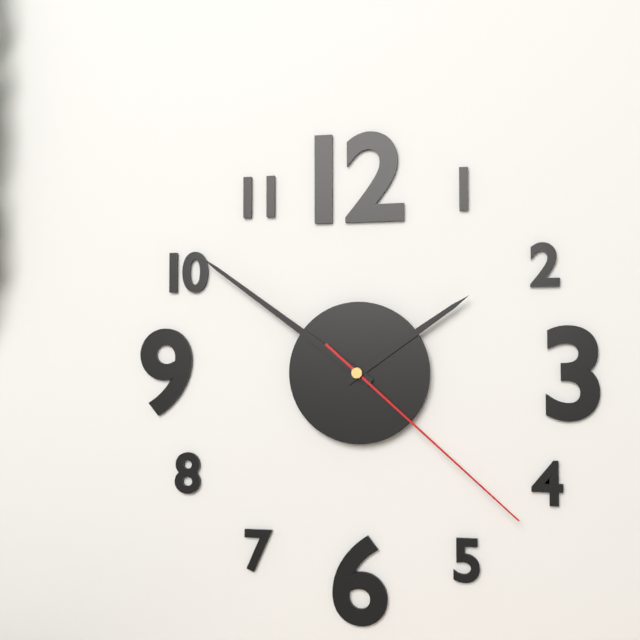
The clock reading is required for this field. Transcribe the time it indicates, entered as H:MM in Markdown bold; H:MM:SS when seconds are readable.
**1:51:22**
